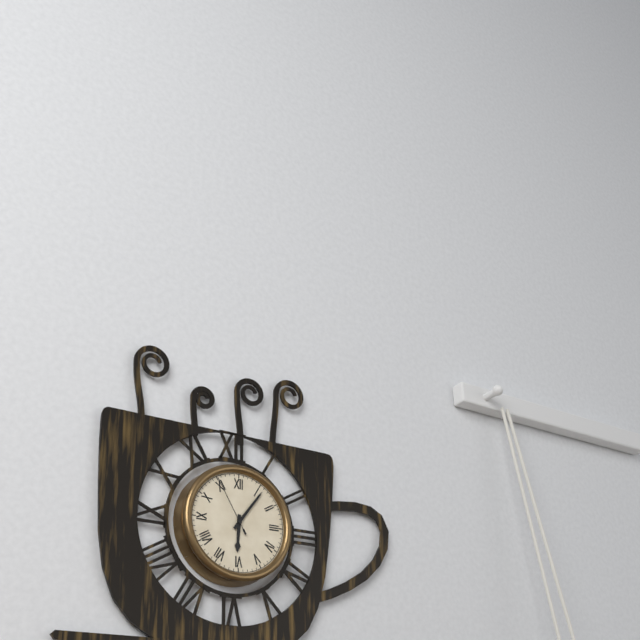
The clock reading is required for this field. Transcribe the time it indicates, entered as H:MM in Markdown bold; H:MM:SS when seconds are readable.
**6:06:55**
